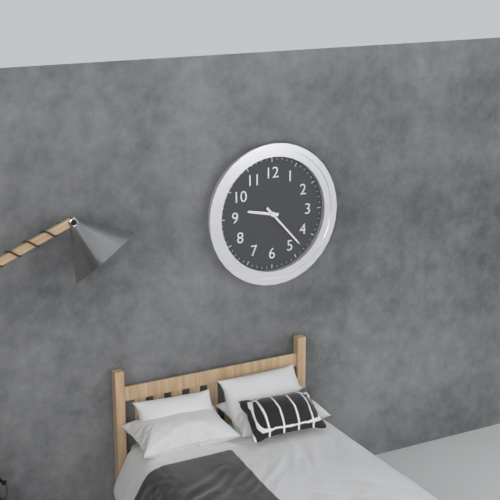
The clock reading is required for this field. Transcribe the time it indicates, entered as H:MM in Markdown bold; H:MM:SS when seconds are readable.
**9:23**
